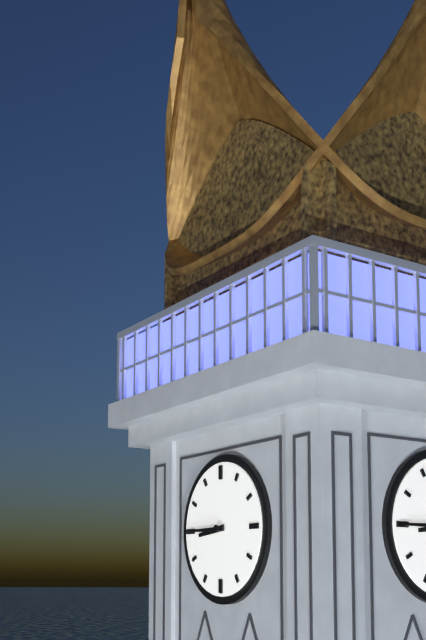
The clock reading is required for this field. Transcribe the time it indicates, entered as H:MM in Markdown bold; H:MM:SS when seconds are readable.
**8:45**
